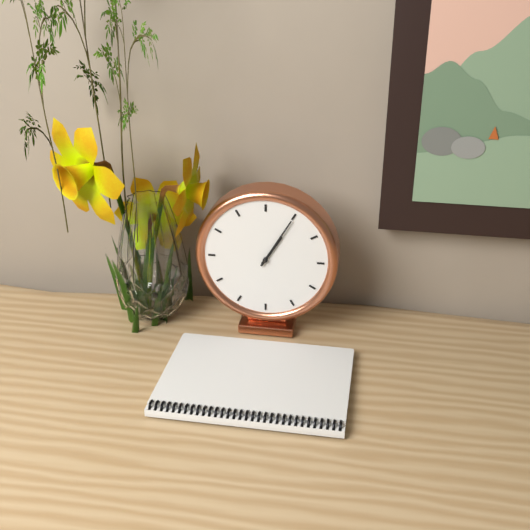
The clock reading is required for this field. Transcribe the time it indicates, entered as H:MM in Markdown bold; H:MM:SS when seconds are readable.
**1:05**
